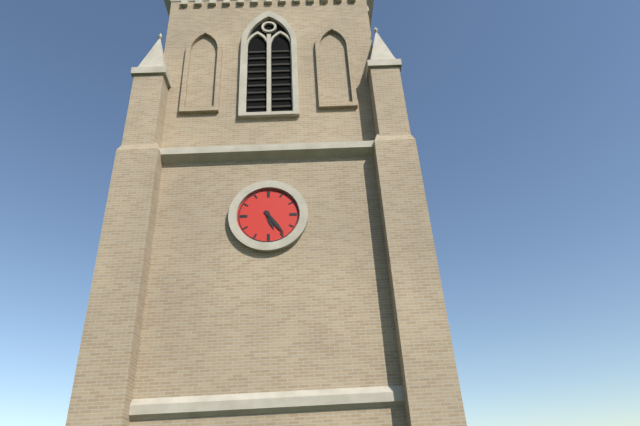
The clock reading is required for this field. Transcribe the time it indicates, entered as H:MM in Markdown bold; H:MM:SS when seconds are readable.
**5:24**
